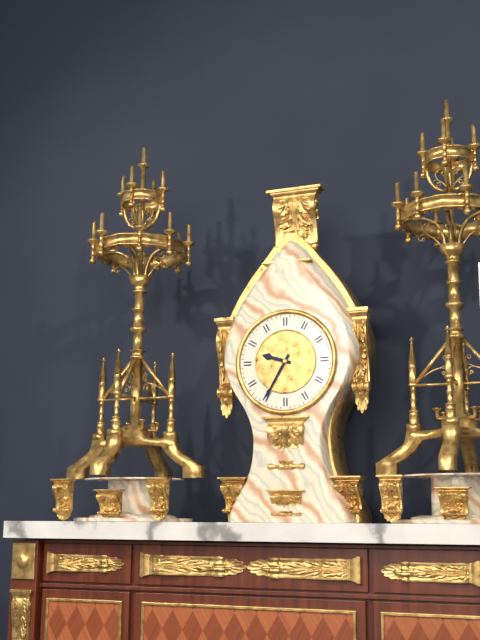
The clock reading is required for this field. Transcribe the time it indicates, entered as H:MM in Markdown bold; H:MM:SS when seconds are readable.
**9:35**
